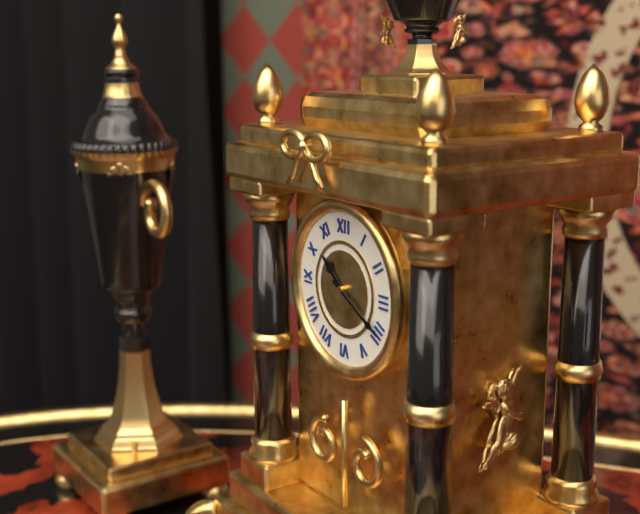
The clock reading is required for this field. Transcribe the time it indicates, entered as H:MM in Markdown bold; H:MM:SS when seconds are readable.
**10:20**
